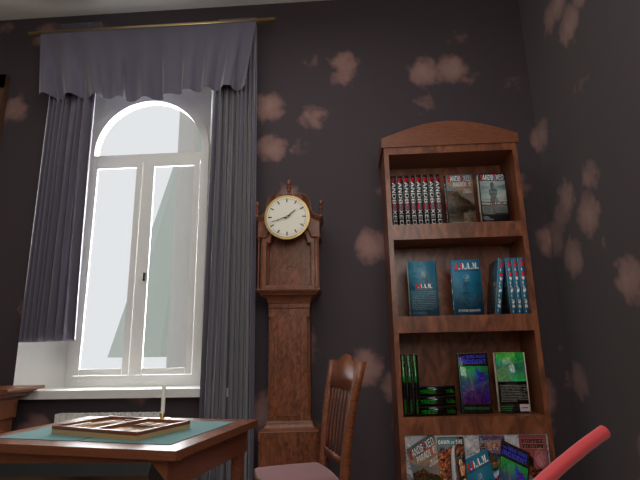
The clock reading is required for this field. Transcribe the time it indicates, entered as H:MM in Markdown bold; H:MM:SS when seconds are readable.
**1:42**
